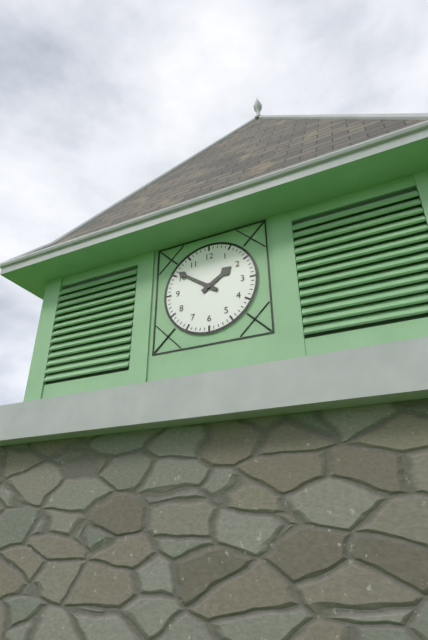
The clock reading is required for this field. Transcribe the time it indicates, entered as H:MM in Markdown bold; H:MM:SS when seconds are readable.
**1:51**
